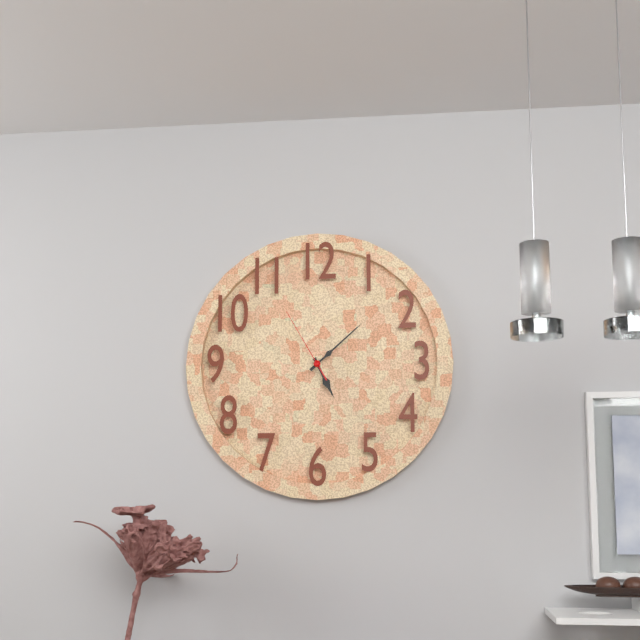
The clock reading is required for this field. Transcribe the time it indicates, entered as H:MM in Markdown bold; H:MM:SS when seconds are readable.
**5:08:55**
